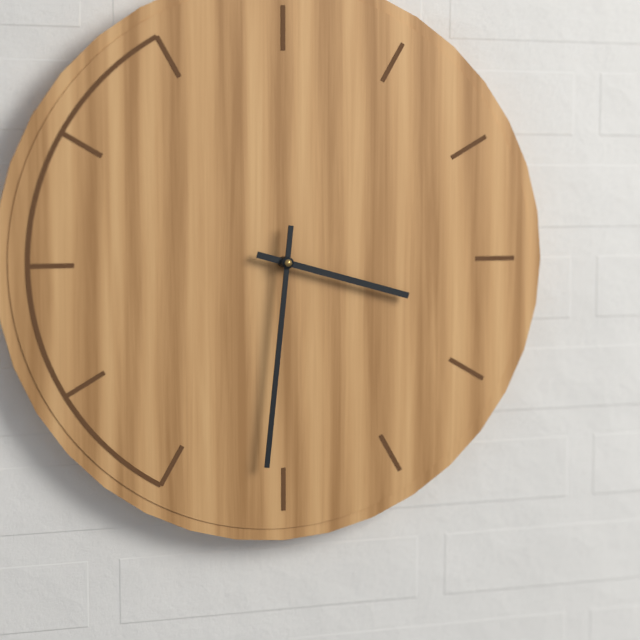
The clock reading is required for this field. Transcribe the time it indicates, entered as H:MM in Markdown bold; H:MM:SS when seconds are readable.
**3:31**
